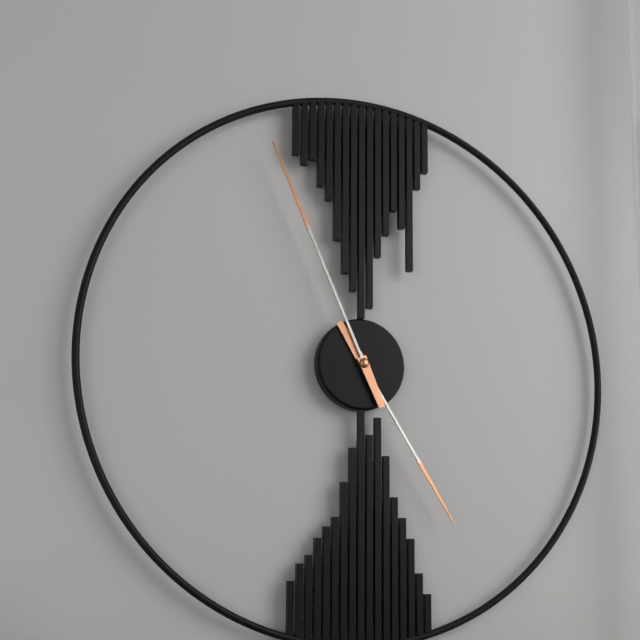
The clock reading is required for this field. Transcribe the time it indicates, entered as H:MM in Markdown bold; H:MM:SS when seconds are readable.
**4:56**
